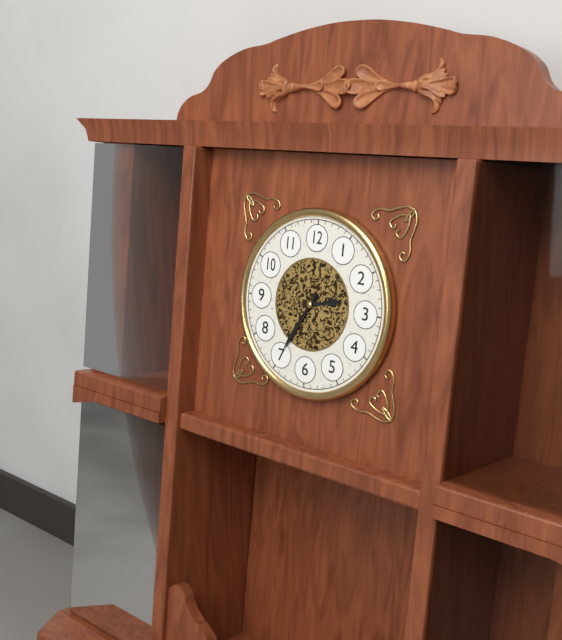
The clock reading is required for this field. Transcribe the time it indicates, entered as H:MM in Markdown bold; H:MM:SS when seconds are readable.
**2:35**
